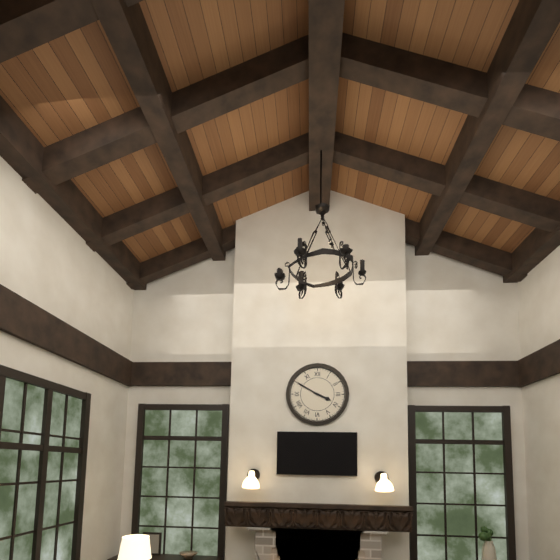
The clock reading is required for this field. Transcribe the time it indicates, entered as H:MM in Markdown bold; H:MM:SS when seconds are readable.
**3:50**
